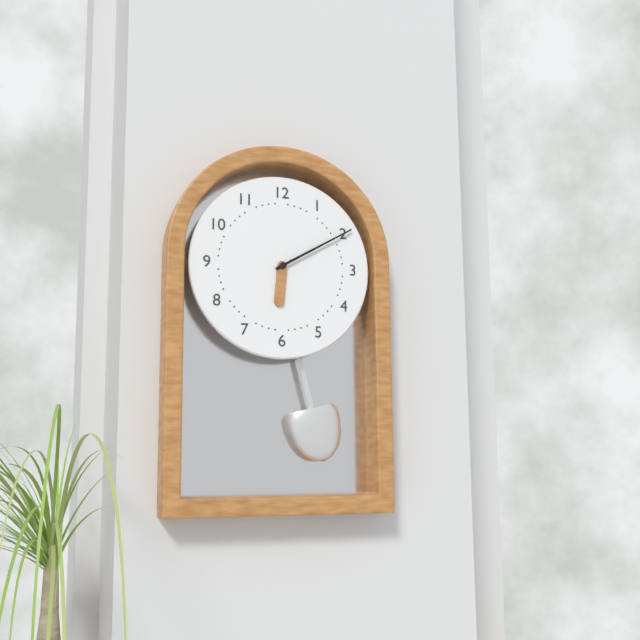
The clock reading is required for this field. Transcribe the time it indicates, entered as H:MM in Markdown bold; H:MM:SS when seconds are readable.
**6:10**
